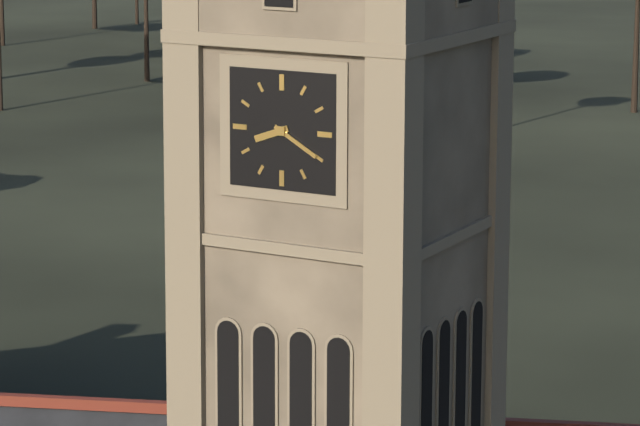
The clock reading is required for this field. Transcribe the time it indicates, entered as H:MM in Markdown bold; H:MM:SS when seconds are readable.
**8:20**
